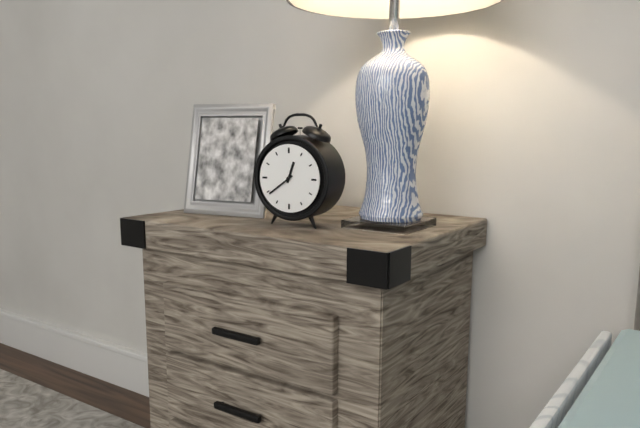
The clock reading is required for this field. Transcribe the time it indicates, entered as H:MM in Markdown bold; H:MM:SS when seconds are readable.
**12:39**
